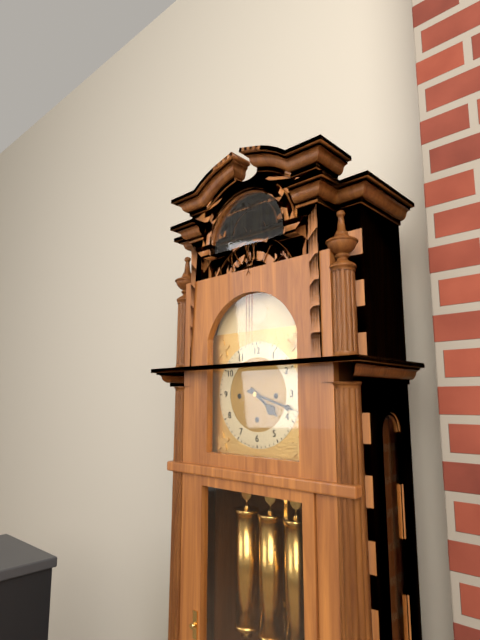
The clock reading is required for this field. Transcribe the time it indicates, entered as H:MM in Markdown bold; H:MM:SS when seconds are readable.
**4:18**
